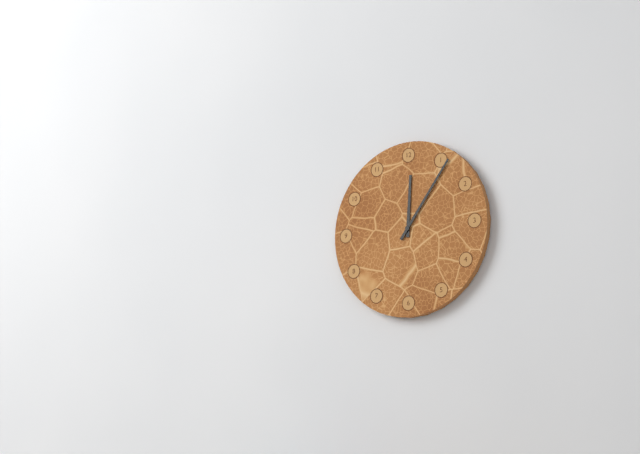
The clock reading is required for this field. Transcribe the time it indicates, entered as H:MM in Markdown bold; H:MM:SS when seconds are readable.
**12:06**
